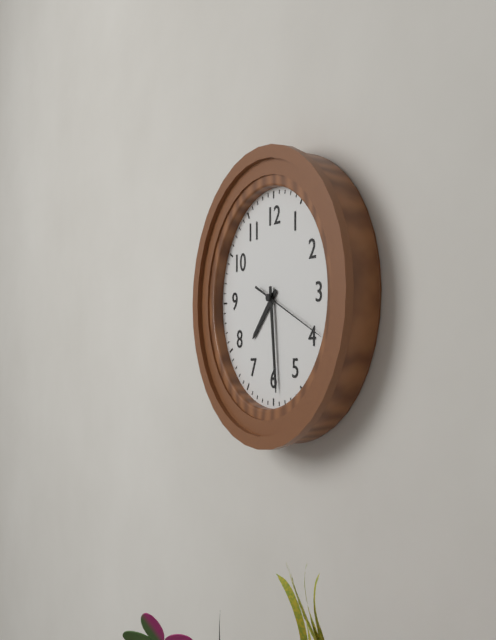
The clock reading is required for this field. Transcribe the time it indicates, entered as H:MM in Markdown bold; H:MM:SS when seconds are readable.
**7:29:19**
